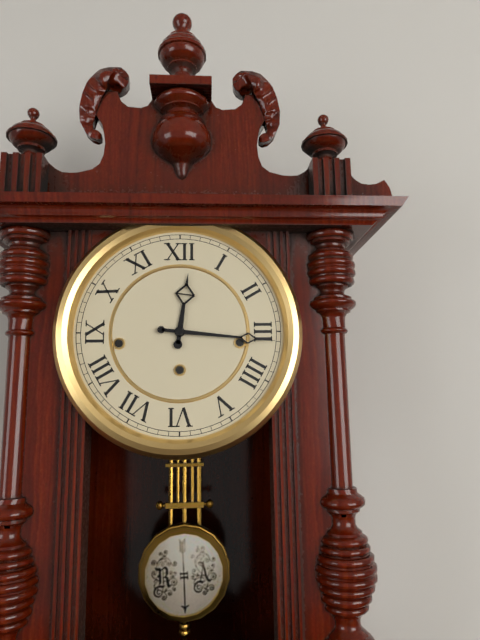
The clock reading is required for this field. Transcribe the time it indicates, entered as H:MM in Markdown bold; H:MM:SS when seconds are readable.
**12:16**
